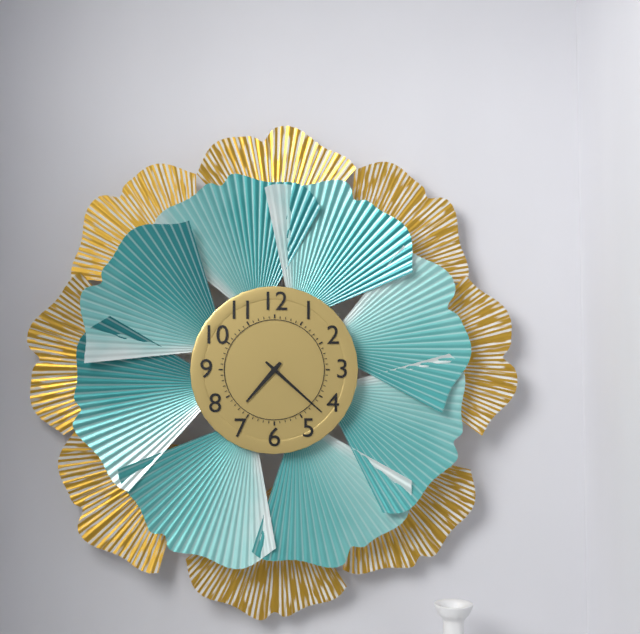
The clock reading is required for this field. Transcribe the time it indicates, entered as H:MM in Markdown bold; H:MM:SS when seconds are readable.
**7:22**
